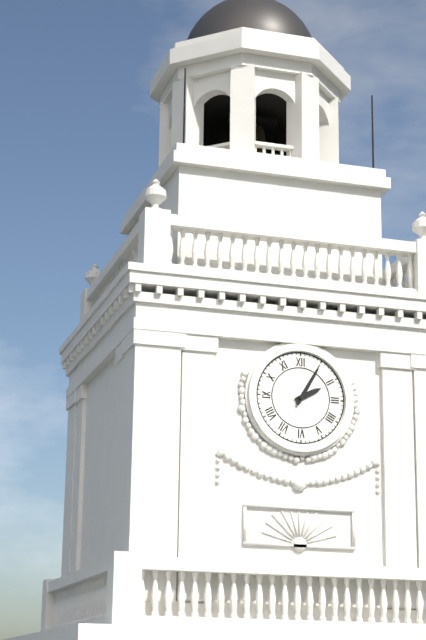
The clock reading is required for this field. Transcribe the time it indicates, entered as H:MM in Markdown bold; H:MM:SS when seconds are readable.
**2:05**
